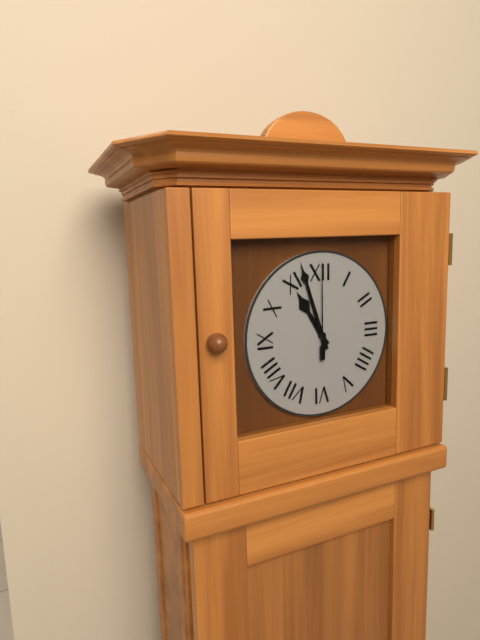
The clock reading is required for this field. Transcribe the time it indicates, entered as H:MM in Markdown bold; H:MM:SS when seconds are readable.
**10:57:00**
